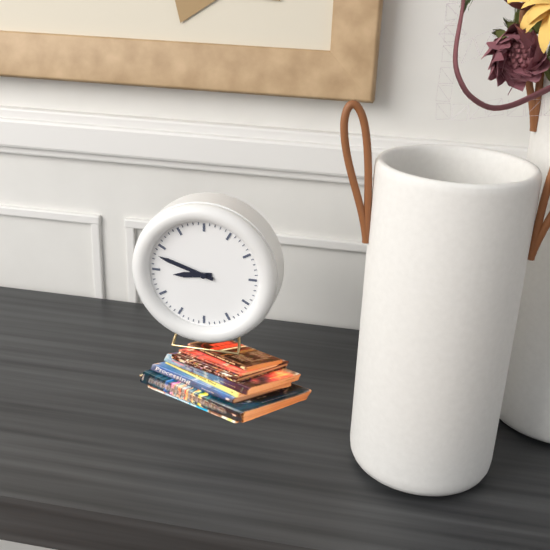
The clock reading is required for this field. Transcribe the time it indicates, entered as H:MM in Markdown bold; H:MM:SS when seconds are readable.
**8:48**
